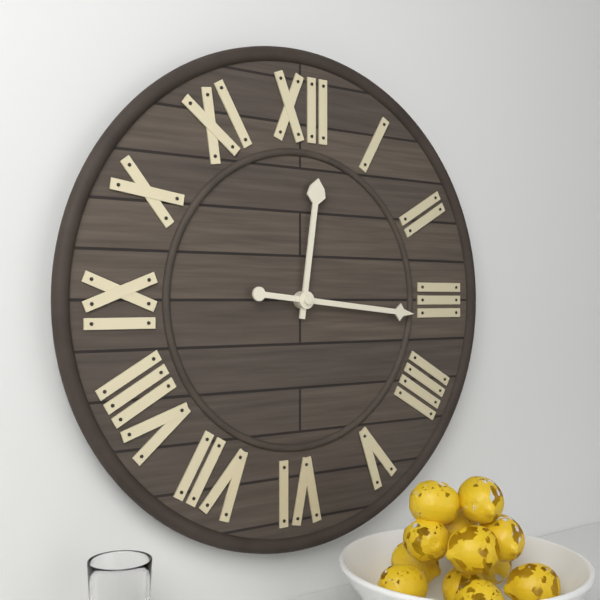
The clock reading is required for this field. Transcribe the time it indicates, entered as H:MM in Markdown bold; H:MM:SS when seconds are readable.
**12:16**
